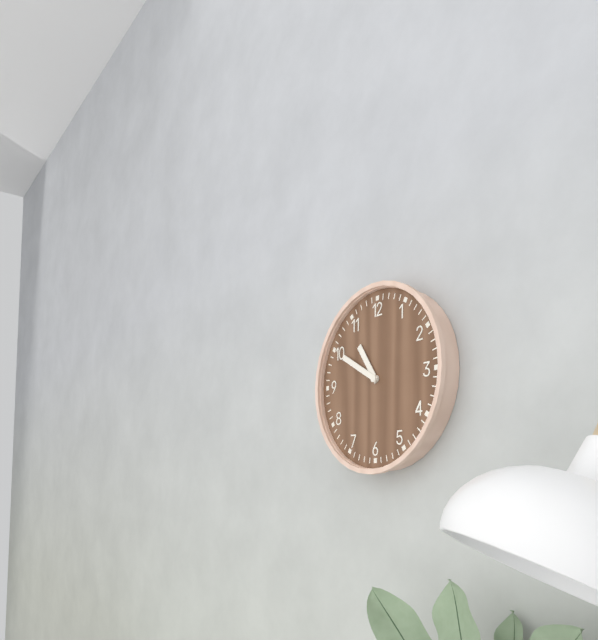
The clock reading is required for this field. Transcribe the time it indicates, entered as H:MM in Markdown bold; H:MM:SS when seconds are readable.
**10:50**
